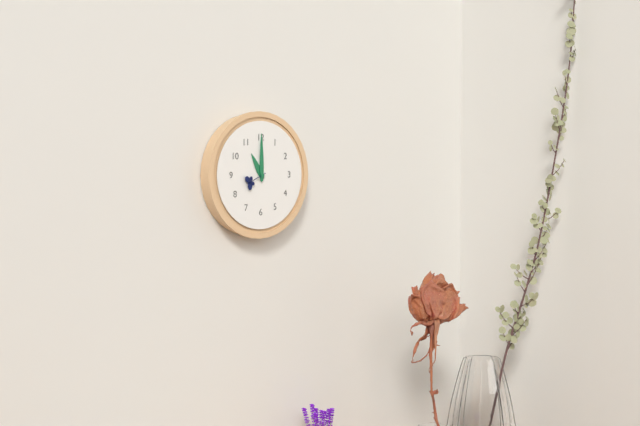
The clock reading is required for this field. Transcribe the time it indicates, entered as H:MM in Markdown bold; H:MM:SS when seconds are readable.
**11:00**
